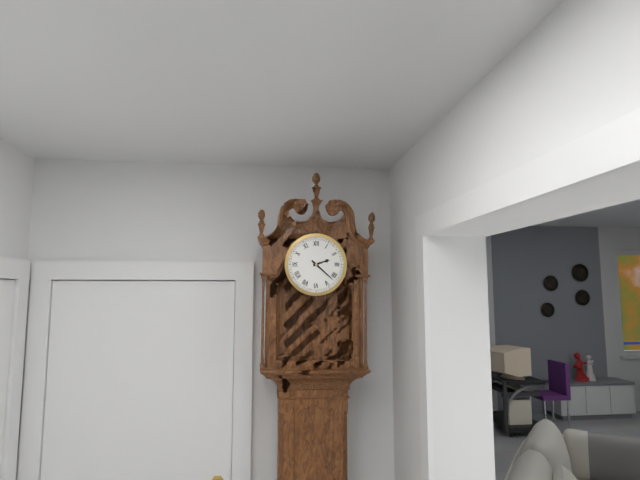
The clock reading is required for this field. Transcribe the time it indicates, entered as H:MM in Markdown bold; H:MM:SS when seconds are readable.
**2:22**
